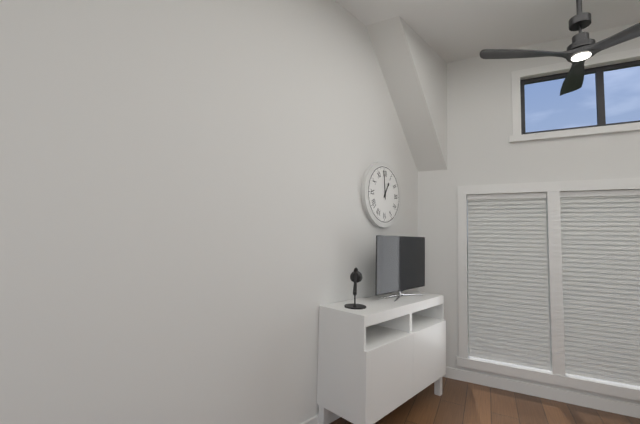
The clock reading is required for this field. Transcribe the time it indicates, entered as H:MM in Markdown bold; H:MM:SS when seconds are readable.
**12:59**
